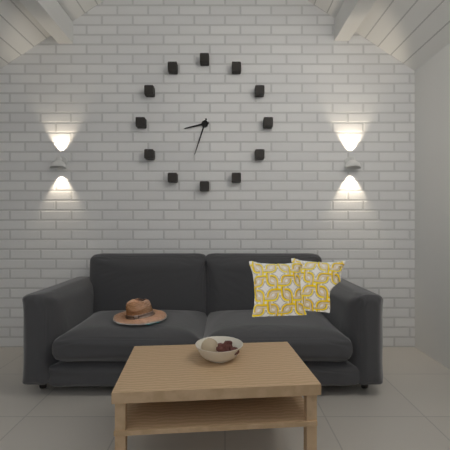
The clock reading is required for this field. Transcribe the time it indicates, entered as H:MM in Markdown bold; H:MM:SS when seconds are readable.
**8:33**
